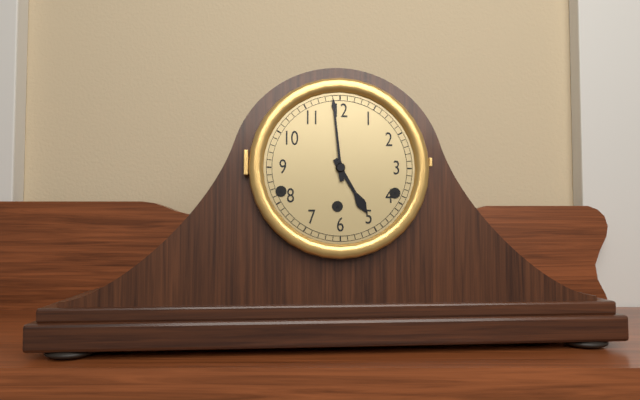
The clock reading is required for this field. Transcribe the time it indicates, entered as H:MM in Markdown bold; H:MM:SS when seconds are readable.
**4:59**
